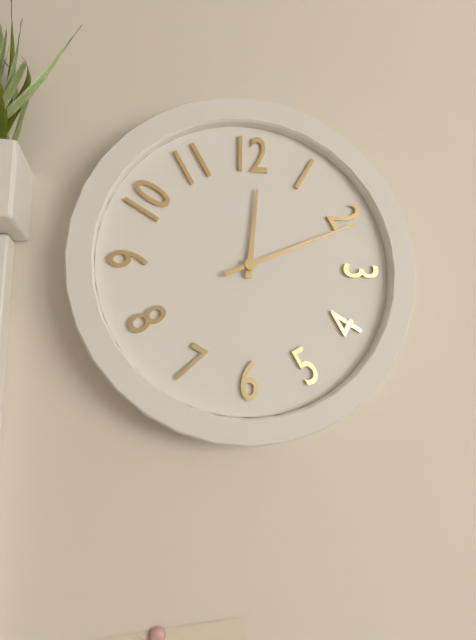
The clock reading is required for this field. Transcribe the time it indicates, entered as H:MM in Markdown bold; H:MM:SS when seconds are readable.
**12:11**
